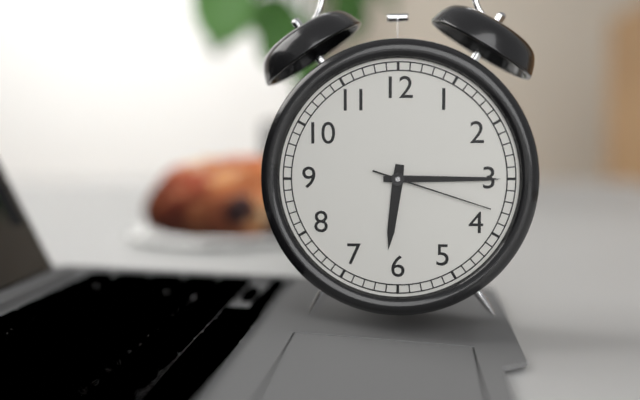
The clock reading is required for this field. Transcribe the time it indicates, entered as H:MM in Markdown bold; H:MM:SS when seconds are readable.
**6:15:18**
